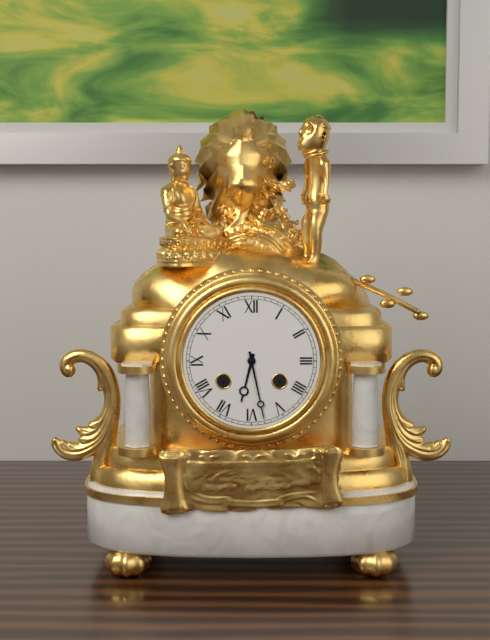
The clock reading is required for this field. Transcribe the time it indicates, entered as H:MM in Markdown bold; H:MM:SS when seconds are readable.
**6:28**
